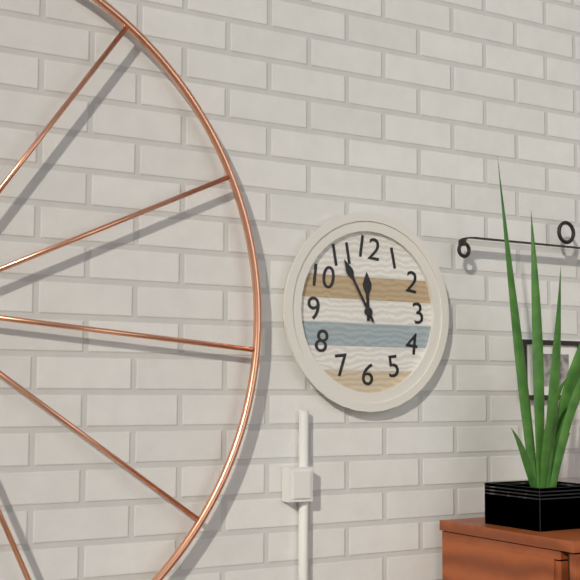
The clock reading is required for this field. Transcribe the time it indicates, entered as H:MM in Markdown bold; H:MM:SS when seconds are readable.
**11:55**
